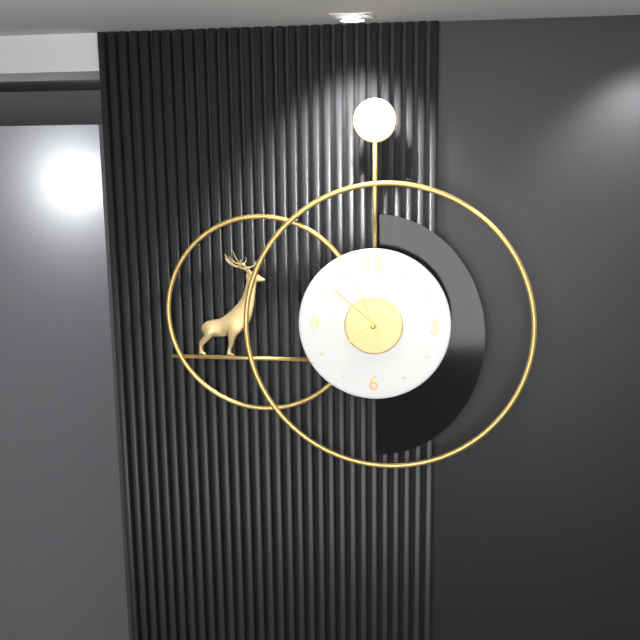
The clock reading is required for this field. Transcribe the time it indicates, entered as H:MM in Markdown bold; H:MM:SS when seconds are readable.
**7:52:56**
